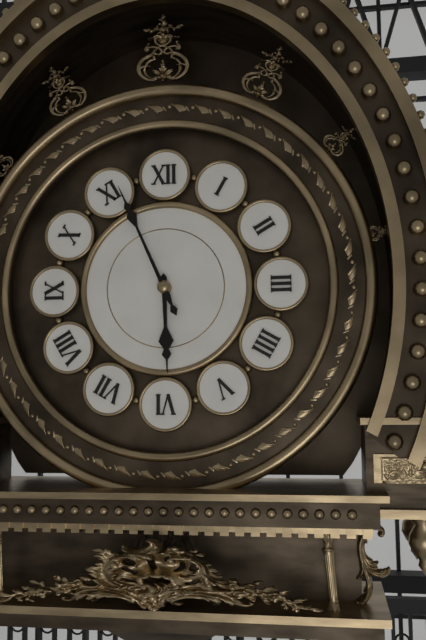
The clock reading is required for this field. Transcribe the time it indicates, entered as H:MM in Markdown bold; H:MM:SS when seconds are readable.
**5:56**
